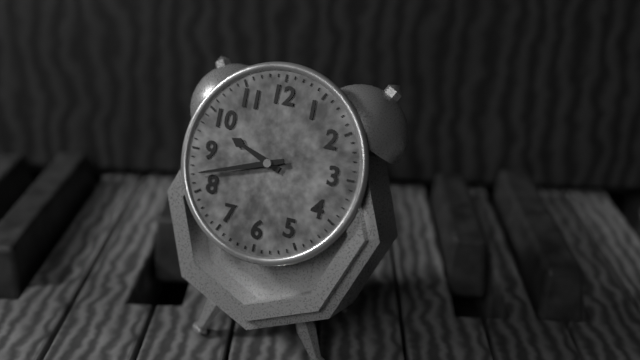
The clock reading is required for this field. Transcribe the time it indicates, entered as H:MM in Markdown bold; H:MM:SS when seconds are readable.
**9:42**
